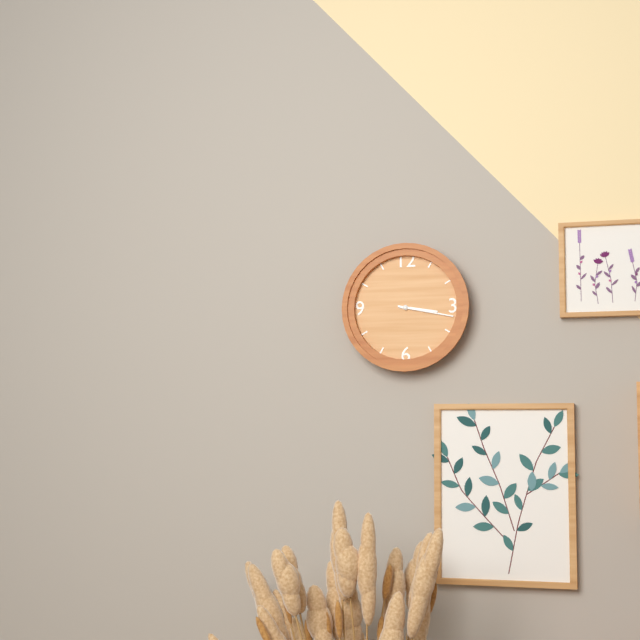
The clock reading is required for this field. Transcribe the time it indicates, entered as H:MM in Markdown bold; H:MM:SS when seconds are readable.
**3:17**
